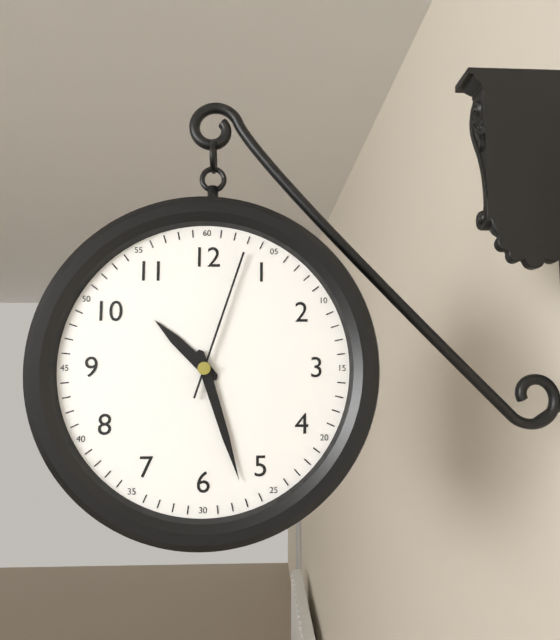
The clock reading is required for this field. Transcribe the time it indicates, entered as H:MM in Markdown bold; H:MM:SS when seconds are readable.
**10:27:03**
